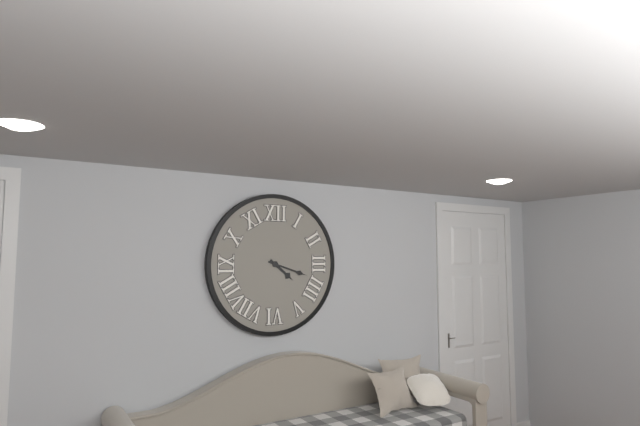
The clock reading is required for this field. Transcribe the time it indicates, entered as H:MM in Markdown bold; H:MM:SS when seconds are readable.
**4:18**
